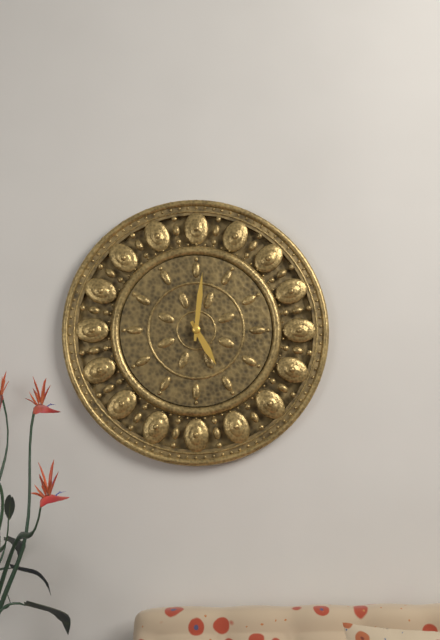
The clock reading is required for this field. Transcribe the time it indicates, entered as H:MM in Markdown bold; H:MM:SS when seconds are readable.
**5:01**
